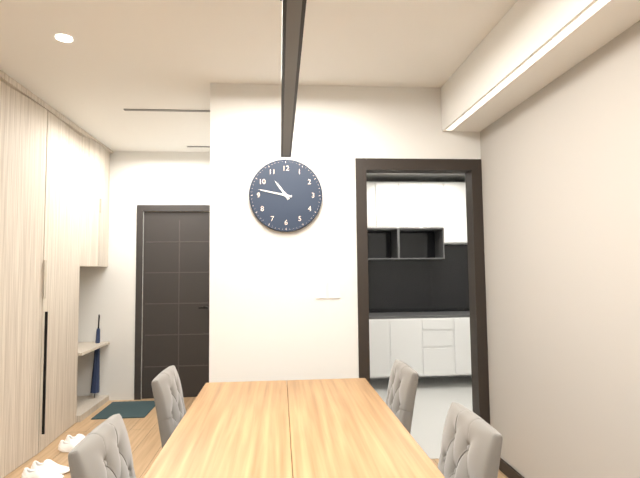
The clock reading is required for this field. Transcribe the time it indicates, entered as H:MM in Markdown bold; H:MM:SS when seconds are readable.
**10:47**
